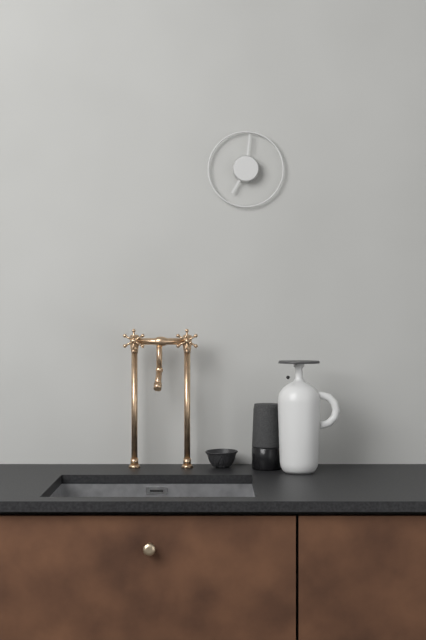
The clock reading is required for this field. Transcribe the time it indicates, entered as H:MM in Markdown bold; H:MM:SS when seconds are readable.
**7:01**
